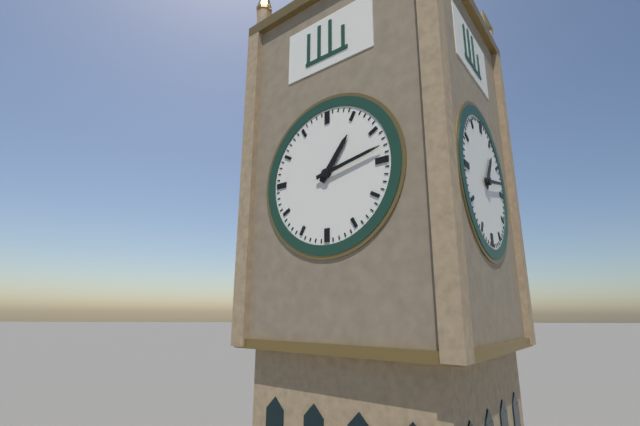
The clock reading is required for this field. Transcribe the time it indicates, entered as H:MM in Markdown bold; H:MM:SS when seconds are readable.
**1:13**
